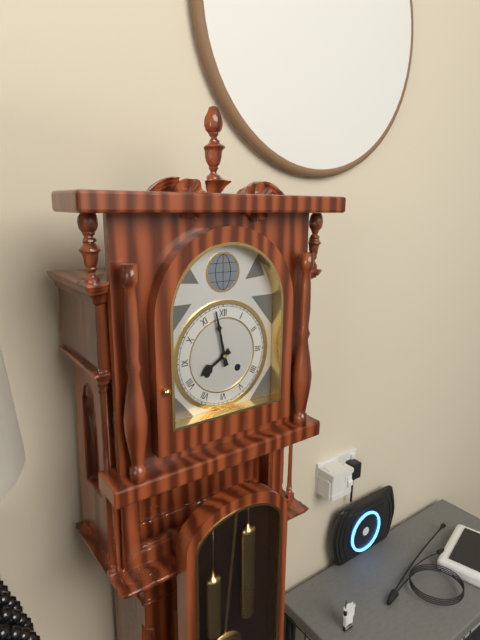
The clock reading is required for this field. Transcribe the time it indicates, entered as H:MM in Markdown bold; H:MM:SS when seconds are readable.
**7:58**
